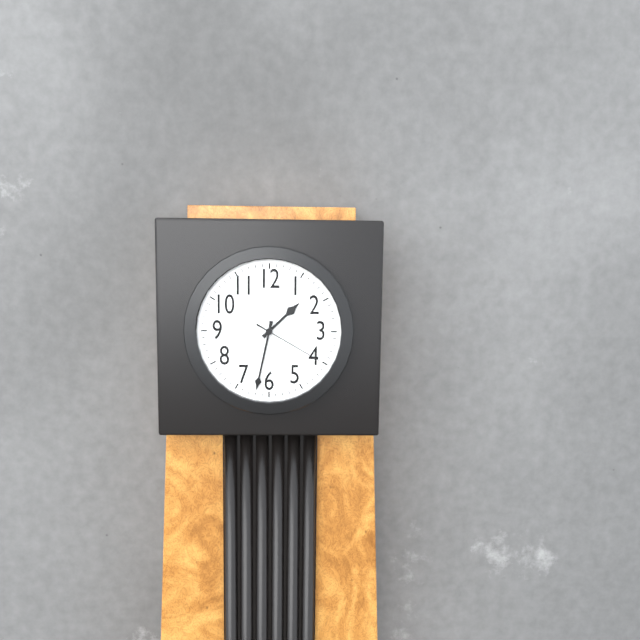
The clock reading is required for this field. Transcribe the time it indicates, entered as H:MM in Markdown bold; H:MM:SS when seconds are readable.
**1:32:20**
